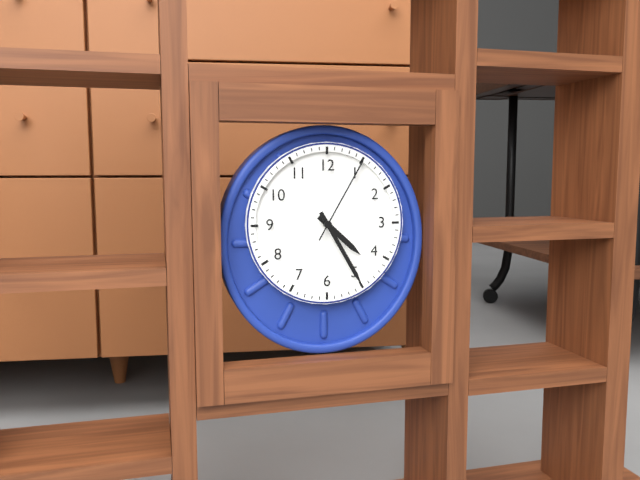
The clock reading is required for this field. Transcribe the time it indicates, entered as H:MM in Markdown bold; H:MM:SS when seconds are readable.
**4:25:05**
